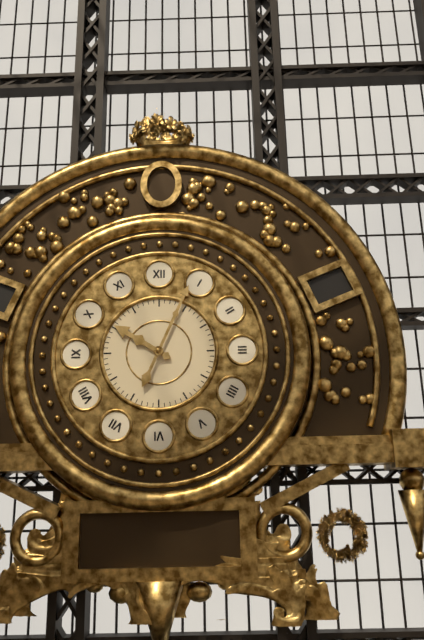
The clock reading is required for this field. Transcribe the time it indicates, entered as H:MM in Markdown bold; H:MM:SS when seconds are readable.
**10:04**
